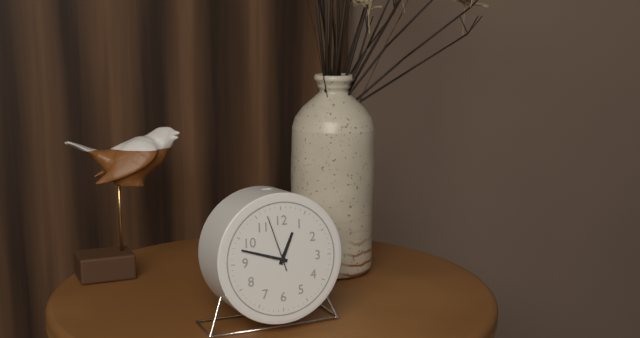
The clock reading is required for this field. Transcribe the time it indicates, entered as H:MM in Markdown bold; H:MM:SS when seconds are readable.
**12:48:57**
